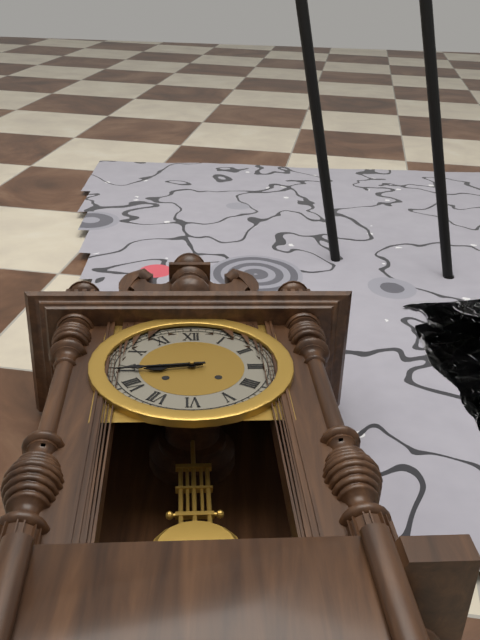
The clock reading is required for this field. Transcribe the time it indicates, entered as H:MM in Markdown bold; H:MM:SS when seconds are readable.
**8:44**
